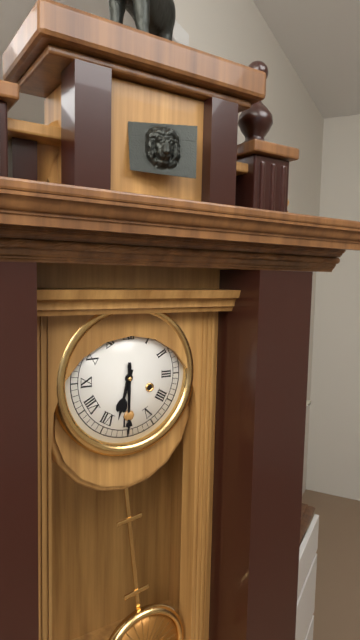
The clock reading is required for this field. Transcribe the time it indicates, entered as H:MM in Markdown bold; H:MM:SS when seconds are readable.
**6:30**
